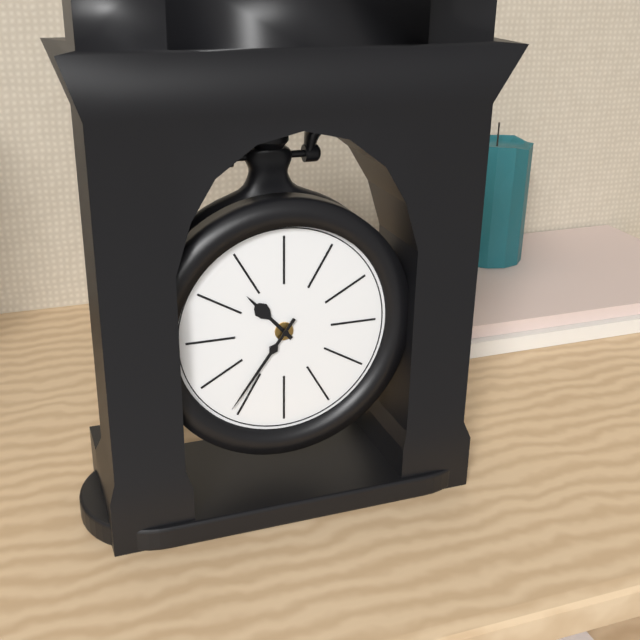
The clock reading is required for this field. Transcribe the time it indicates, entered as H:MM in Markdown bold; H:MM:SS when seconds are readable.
**10:36**
